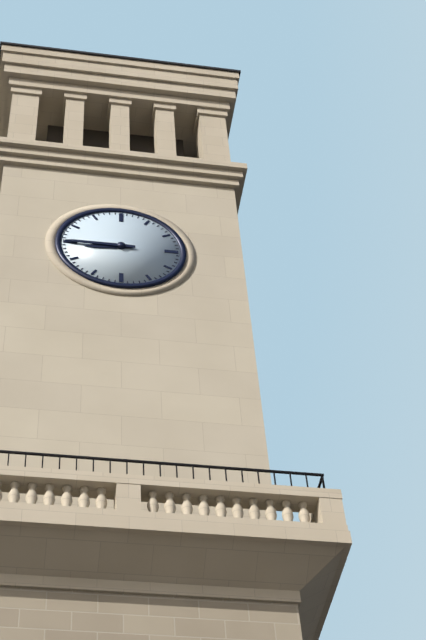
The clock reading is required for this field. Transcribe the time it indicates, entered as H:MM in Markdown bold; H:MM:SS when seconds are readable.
**8:45**
